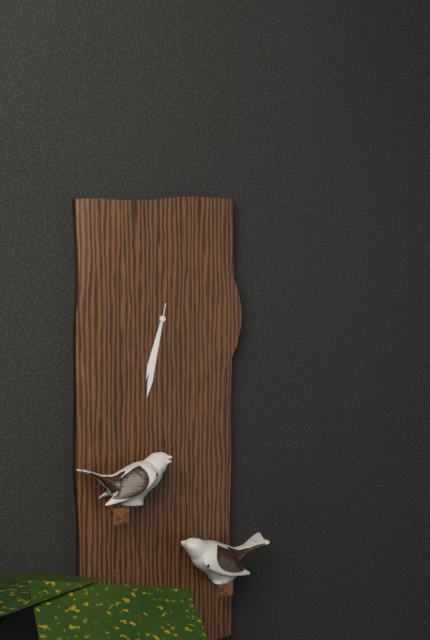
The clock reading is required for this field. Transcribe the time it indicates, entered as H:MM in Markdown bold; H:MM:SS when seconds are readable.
**6:32:32**
